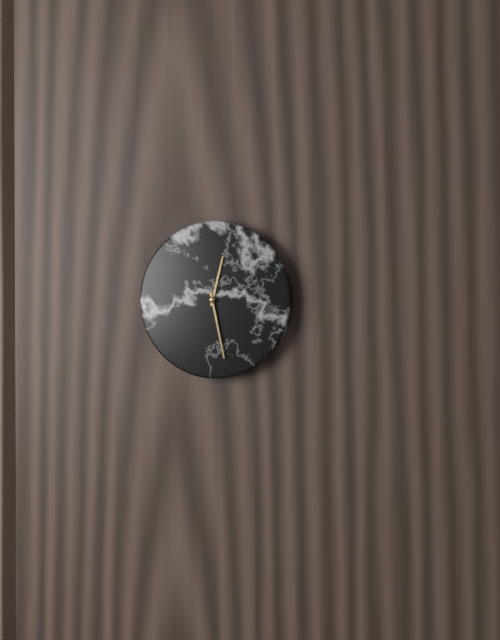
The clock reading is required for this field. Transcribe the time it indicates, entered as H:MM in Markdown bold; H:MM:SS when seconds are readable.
**12:28**
